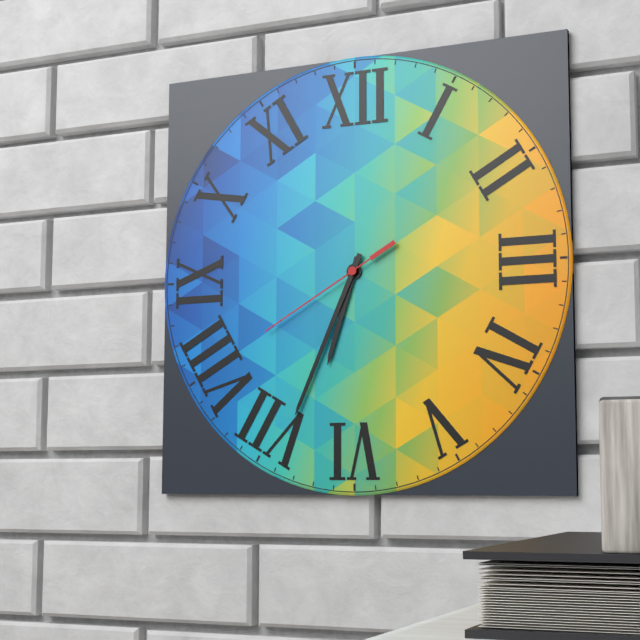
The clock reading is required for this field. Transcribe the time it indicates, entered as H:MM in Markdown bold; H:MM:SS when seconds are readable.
**6:34:40**
